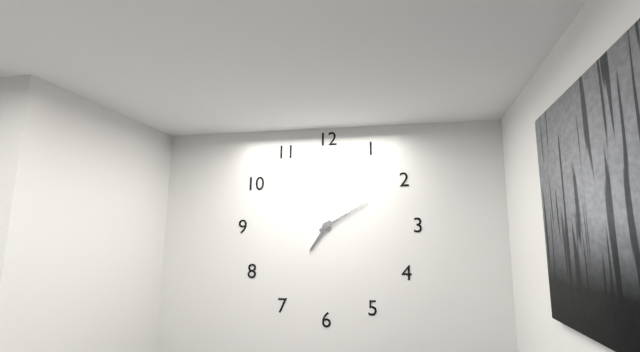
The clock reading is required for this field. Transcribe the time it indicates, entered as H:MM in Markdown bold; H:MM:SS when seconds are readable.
**7:10**
